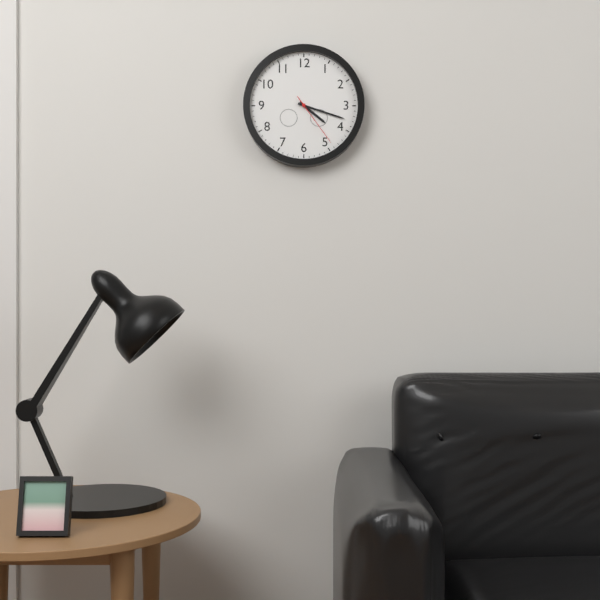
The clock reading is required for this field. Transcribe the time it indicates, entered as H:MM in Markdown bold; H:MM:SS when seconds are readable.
**4:18:24**
